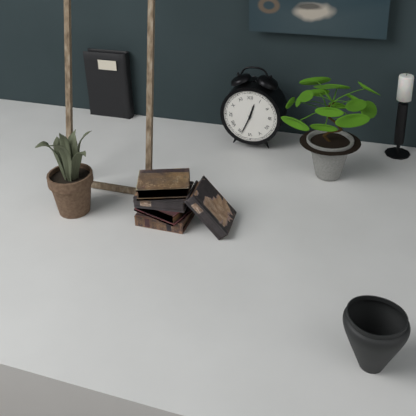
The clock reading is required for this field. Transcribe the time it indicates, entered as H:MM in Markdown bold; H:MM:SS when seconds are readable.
**12:34**
